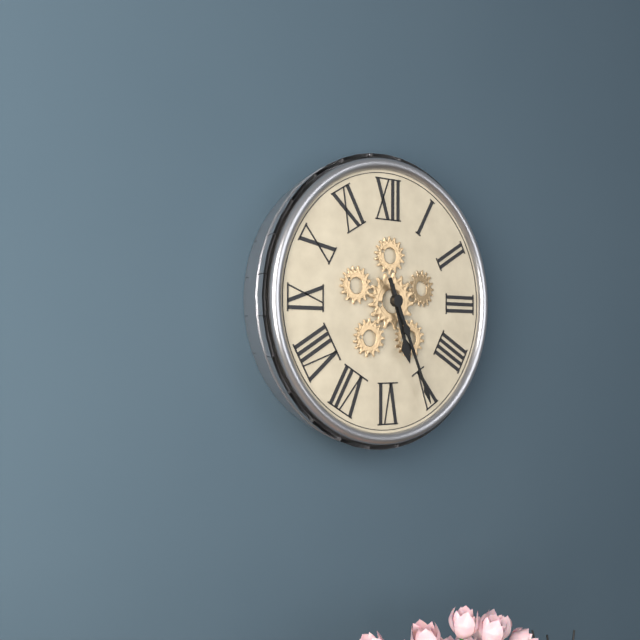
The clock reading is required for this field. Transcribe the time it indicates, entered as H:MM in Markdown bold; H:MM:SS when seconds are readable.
**5:26**
